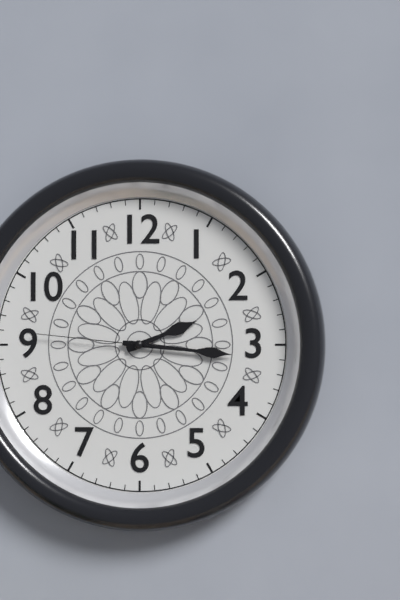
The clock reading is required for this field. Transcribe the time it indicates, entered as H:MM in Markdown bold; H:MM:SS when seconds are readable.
**2:16:46**
